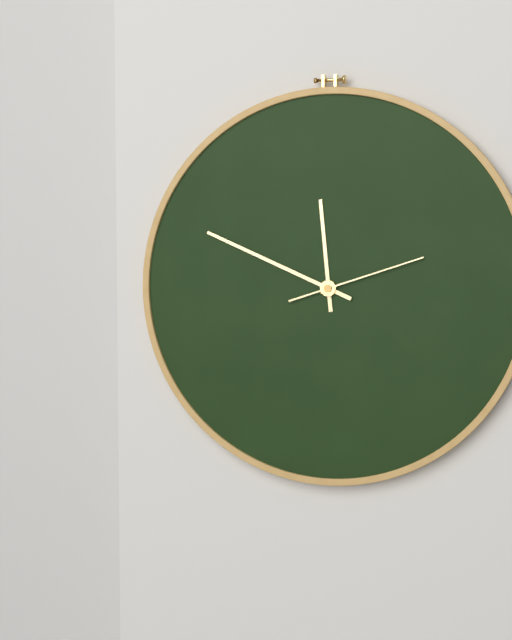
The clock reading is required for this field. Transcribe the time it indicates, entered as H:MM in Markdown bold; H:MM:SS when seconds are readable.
**11:49:12**
